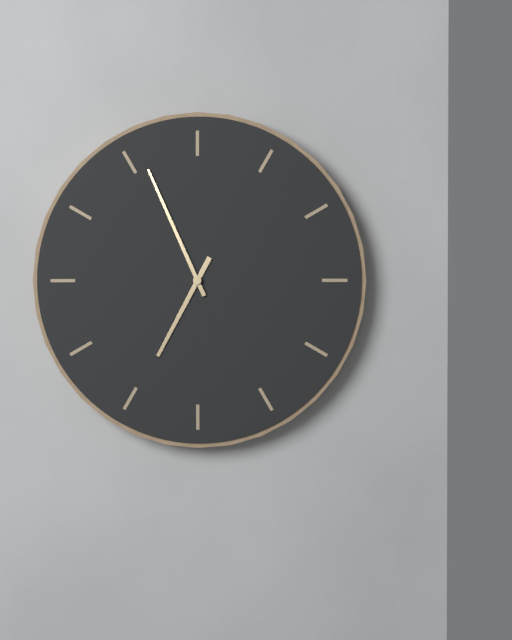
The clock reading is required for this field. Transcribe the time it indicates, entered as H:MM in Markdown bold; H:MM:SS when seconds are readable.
**6:56**
